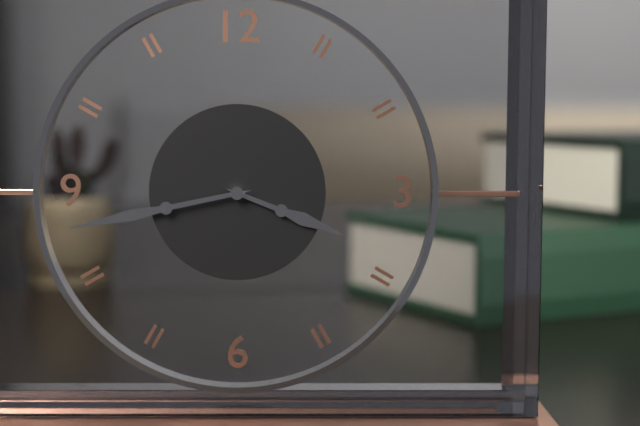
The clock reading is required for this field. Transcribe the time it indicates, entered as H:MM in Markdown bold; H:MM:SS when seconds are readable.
**3:43**
